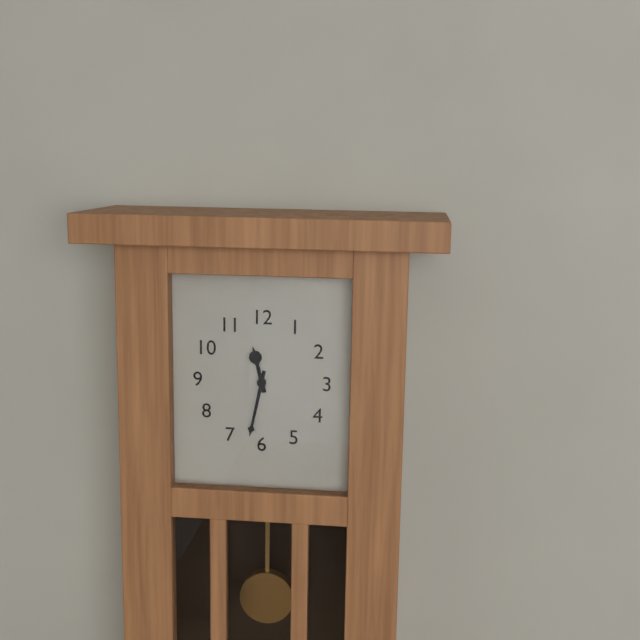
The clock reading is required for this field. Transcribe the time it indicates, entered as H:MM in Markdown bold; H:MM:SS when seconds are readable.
**11:32**
